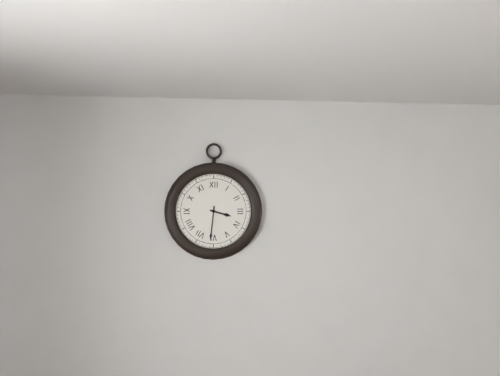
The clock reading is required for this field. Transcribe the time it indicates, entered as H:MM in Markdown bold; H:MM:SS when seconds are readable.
**3:31**
